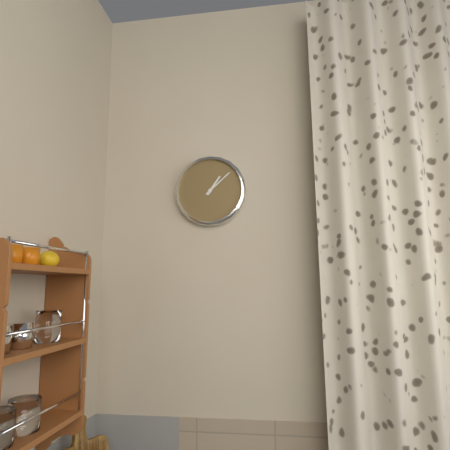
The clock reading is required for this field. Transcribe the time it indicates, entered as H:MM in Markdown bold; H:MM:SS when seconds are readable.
**1:08**
